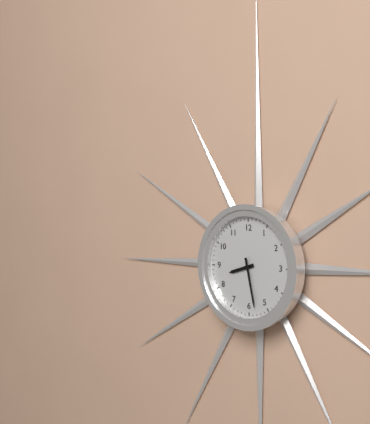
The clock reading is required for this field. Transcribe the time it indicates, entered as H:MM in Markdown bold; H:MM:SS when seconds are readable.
**8:28**
